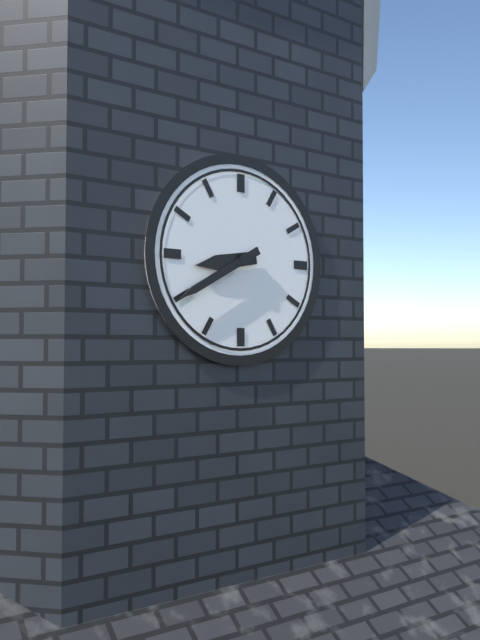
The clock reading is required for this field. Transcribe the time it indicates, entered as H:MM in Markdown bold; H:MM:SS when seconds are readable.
**8:40**
